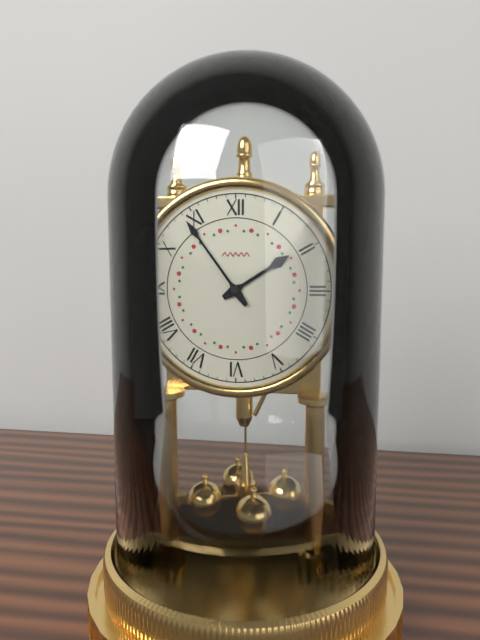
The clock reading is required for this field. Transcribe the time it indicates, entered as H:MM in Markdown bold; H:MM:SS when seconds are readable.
**1:54**
